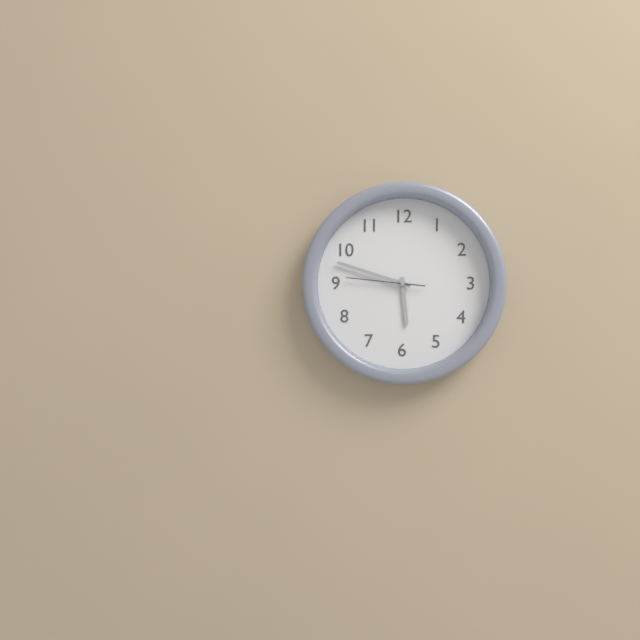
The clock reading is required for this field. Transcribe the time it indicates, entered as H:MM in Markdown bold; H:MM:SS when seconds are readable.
**5:48:46**
